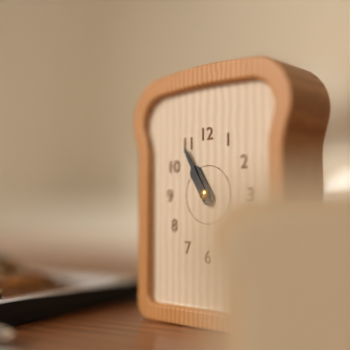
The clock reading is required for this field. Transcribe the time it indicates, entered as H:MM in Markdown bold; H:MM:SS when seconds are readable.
**10:55**
